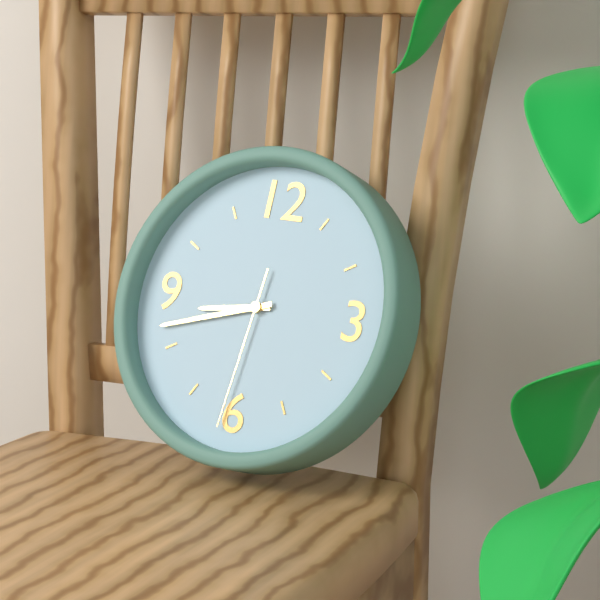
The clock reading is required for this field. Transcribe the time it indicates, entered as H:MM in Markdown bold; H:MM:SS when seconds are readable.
**8:42:31**
